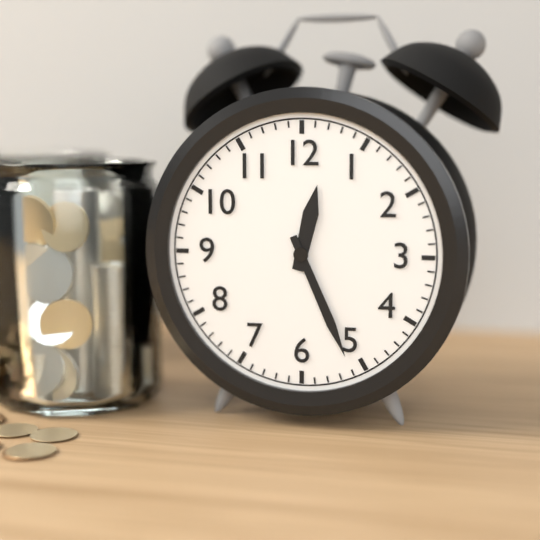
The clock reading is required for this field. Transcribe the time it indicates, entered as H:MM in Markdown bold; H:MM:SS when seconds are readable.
**12:26**
